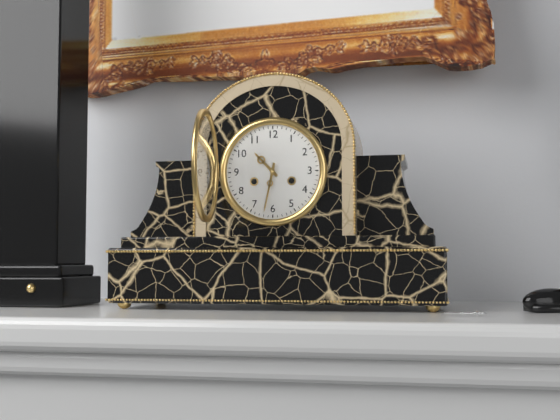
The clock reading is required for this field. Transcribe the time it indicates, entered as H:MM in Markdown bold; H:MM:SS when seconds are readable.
**10:32**
